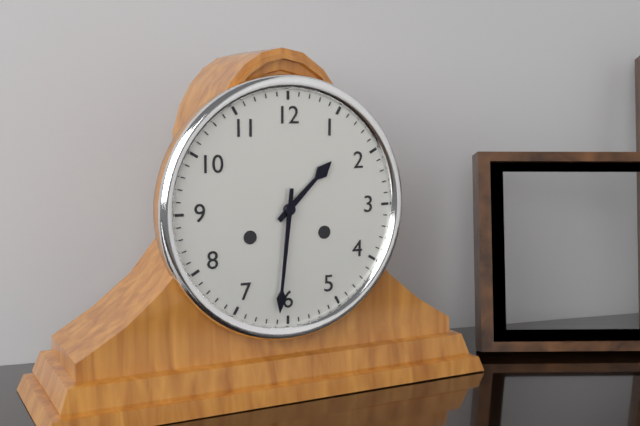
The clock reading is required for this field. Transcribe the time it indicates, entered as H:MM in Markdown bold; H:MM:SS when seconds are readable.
**1:31**
